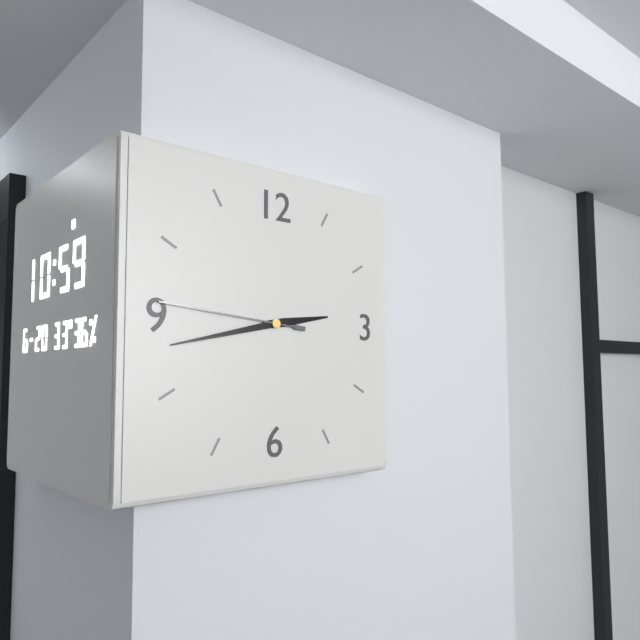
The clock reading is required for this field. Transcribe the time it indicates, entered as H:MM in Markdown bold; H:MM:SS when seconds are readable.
**2:43:46**
